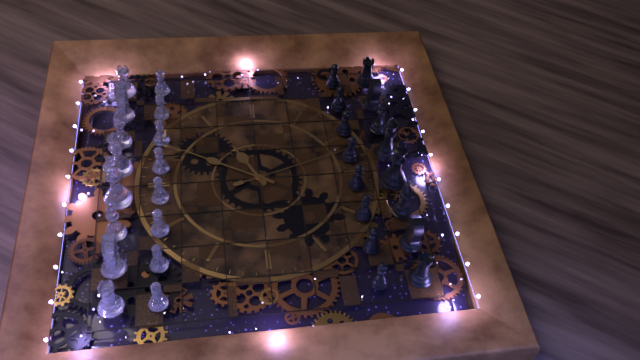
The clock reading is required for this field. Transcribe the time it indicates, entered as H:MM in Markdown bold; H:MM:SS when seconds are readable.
**2:05:27**
